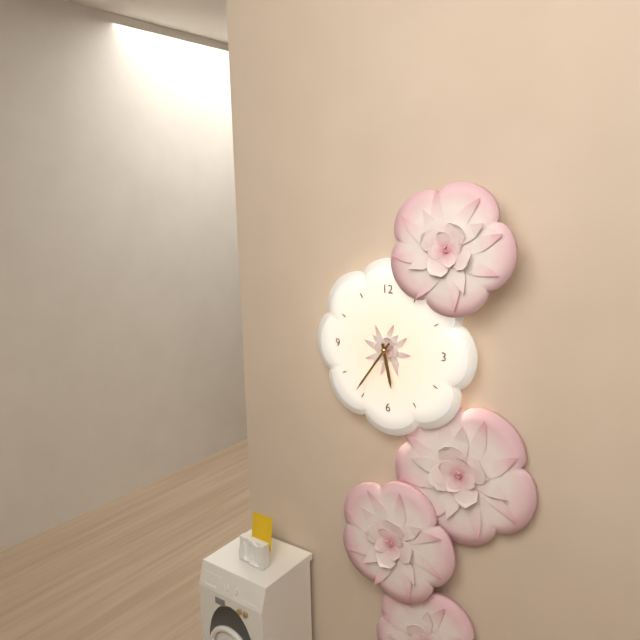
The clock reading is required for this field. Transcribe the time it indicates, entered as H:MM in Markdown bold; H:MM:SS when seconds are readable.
**5:36**
